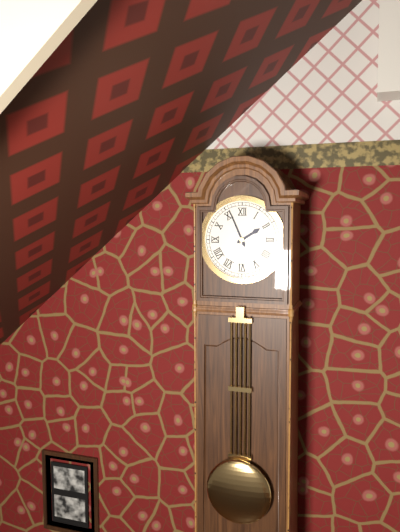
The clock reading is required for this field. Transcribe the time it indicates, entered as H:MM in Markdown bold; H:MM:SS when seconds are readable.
**1:56**
